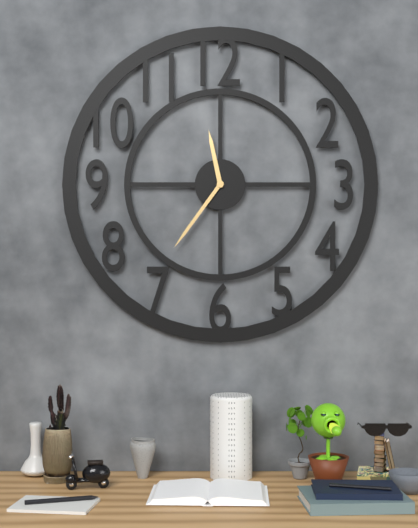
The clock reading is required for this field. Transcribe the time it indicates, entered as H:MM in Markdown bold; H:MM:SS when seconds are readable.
**11:36**
